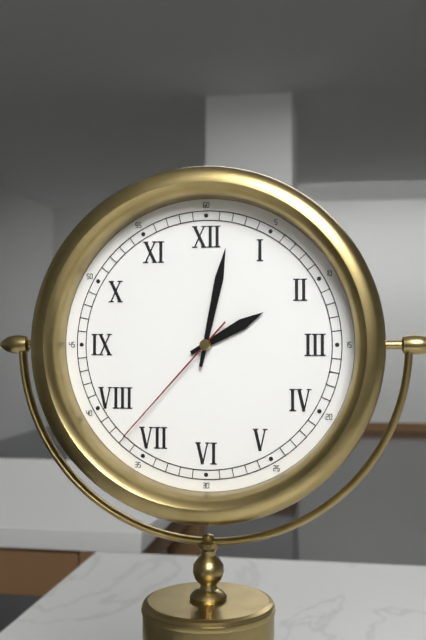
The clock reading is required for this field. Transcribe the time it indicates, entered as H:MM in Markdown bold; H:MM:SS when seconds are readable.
**2:02:37**
